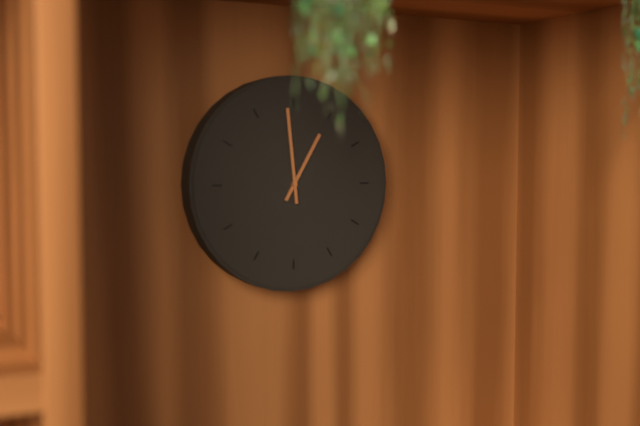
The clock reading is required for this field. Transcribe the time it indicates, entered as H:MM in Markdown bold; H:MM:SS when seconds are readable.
**12:59**
